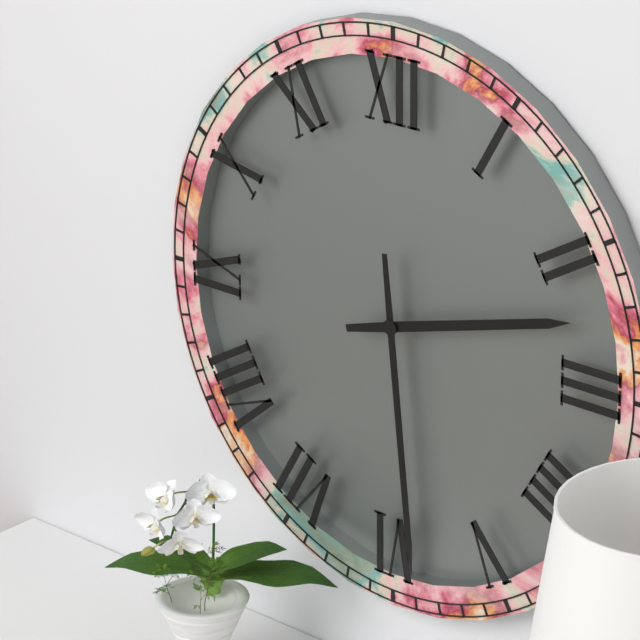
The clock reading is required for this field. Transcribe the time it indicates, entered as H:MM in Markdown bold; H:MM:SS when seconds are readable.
**2:29**
